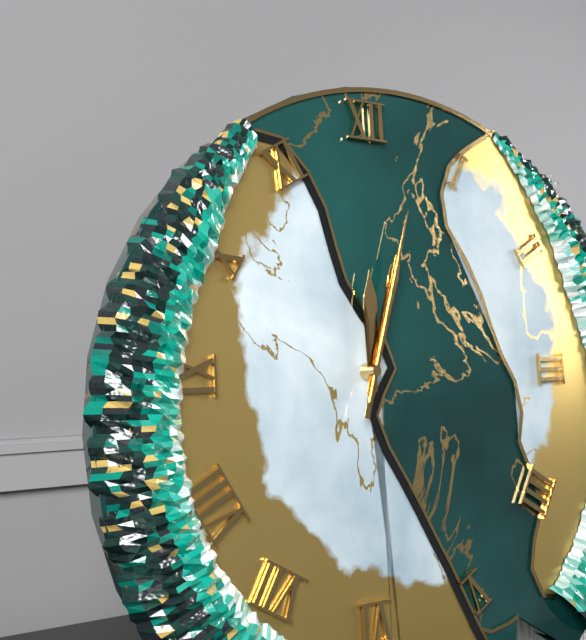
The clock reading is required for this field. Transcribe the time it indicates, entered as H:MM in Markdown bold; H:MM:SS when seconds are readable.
**12:03:03**
